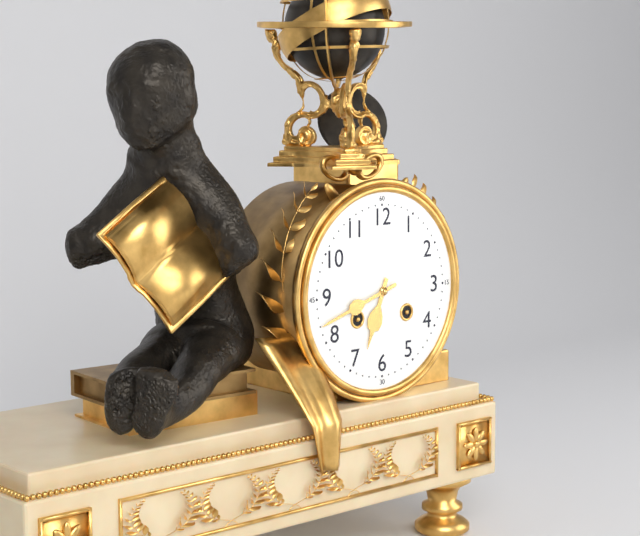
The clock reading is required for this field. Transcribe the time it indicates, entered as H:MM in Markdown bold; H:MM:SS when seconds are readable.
**6:42**
